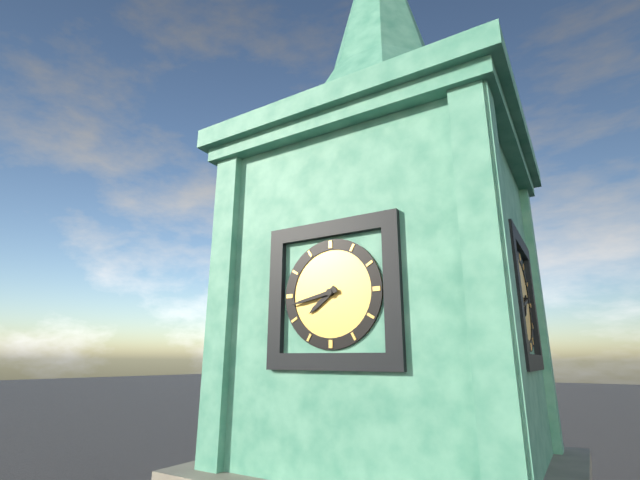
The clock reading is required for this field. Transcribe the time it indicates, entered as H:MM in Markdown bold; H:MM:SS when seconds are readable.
**7:43**
